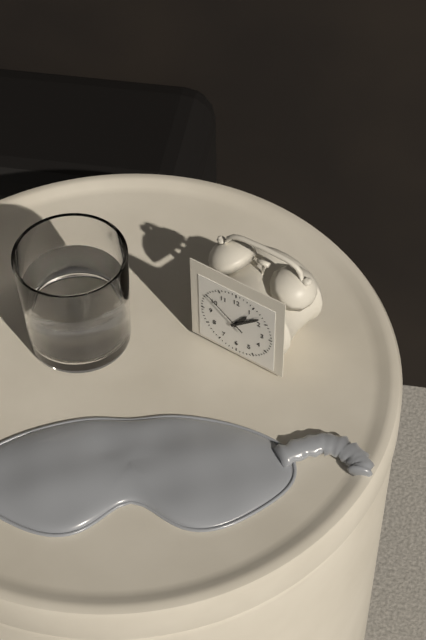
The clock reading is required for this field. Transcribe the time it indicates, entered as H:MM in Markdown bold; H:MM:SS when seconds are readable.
**1:08:51**
